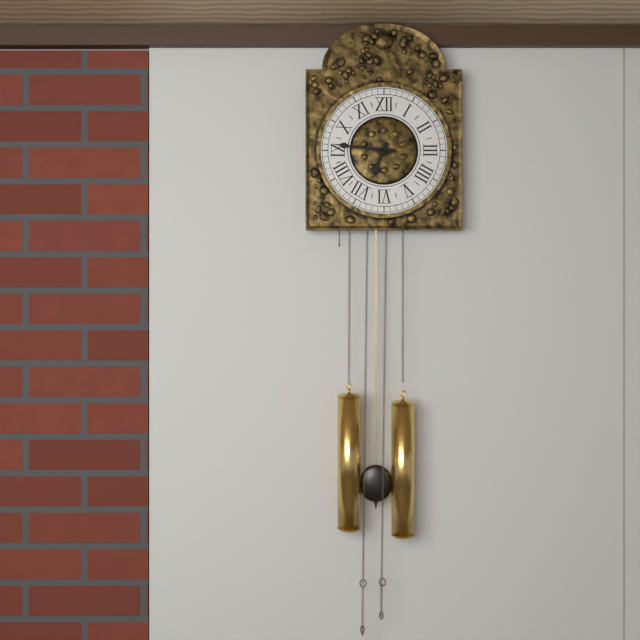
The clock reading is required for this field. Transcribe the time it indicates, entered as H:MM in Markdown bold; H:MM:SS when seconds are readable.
**6:46**
